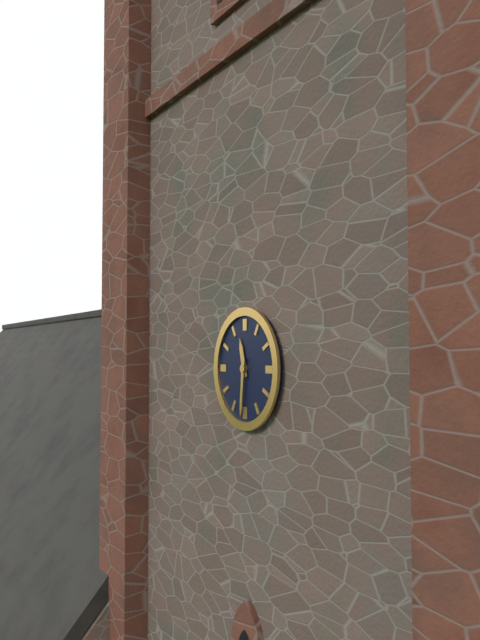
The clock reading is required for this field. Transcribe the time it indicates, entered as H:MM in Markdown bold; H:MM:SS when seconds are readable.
**11:31**
